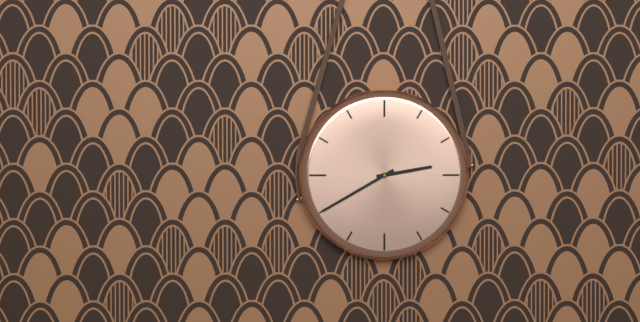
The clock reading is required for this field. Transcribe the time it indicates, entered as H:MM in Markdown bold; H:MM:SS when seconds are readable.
**2:40**
